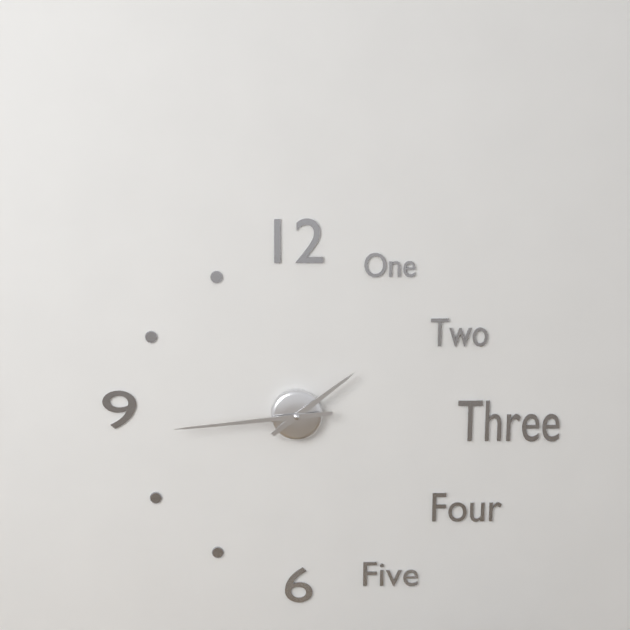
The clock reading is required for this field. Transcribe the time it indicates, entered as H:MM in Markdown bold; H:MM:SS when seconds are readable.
**1:44**
